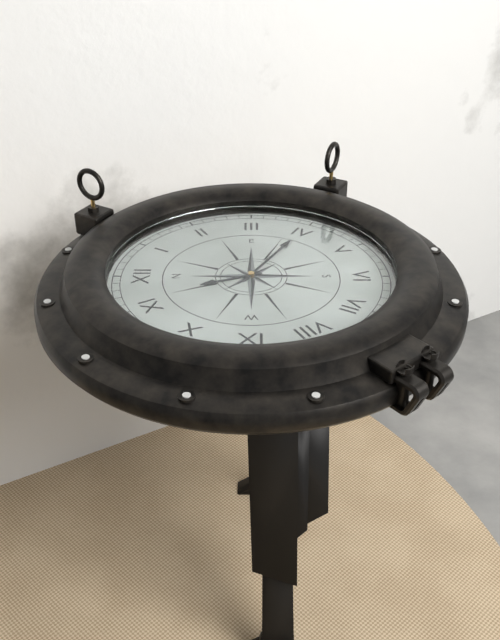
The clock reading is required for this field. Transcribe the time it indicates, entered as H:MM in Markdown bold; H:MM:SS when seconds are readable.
**11:20**
